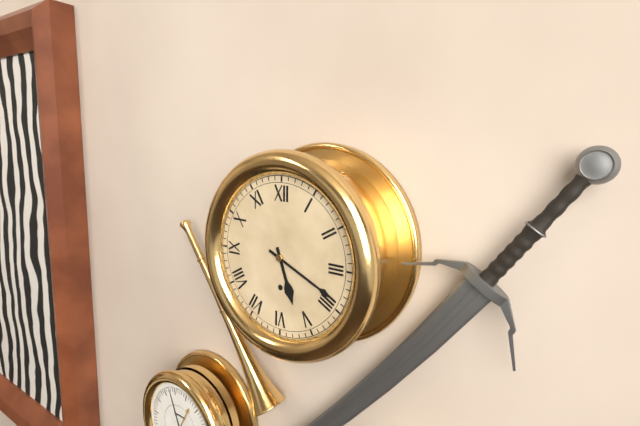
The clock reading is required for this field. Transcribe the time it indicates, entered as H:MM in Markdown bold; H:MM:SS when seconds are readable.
**5:19**
